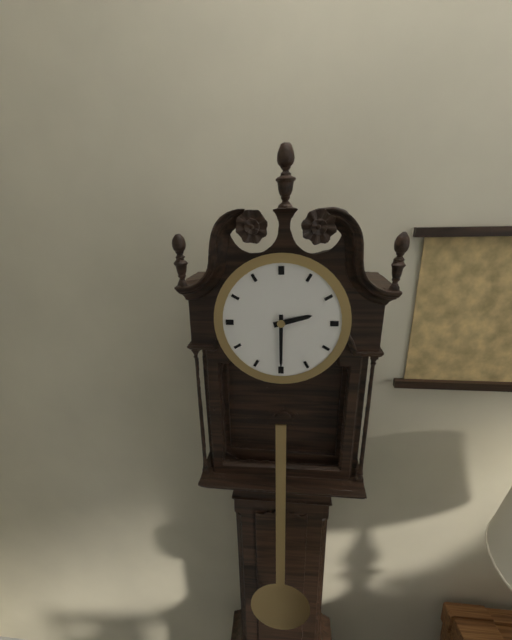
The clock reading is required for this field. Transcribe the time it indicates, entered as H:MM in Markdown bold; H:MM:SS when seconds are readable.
**2:30**
